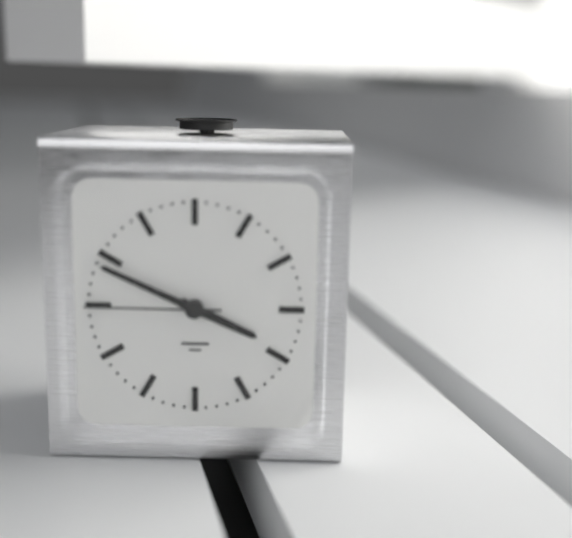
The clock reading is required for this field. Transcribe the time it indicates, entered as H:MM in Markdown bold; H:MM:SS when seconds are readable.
**3:49:45**
